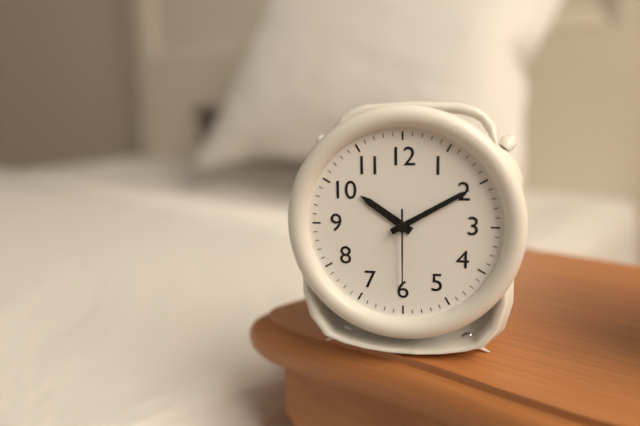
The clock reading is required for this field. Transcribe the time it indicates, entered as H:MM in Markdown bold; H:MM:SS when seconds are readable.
**10:10:30**
